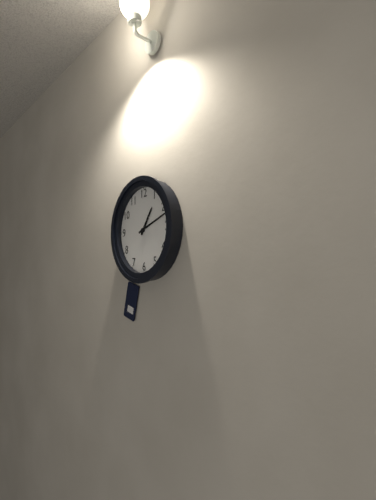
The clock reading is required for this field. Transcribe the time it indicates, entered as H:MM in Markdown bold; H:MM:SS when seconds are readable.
**1:12**
